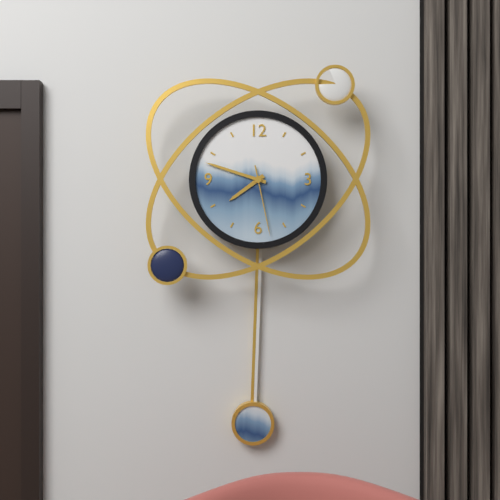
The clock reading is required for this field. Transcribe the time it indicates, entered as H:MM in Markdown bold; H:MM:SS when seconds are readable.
**7:48:28**
